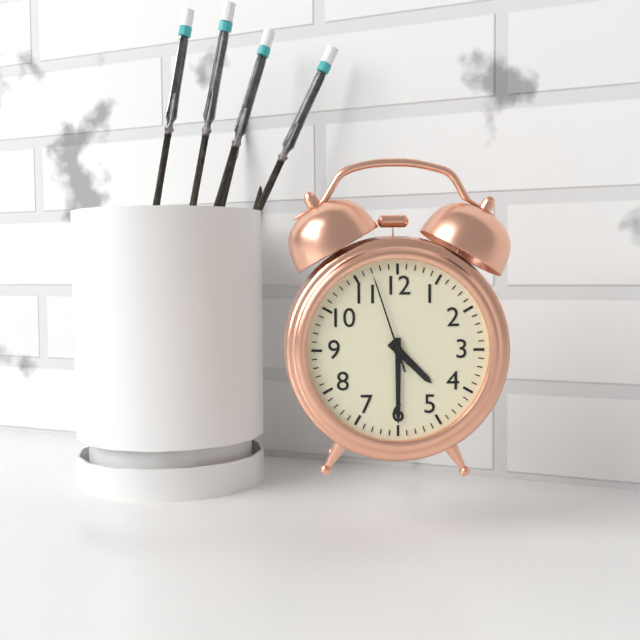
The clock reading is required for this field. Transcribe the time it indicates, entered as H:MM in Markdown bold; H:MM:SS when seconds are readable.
**4:30:57**
